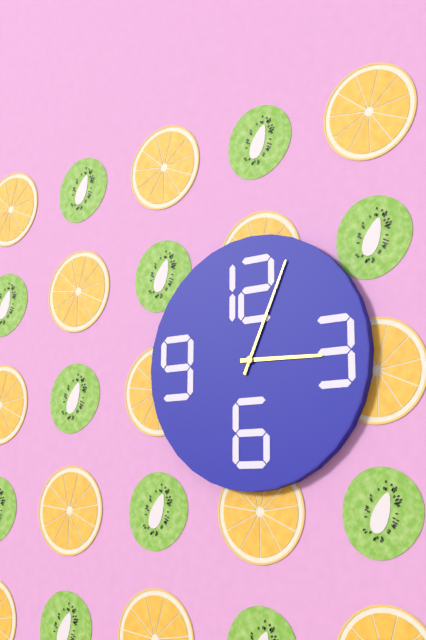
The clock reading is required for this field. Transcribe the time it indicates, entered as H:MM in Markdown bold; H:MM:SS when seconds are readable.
**3:04**
